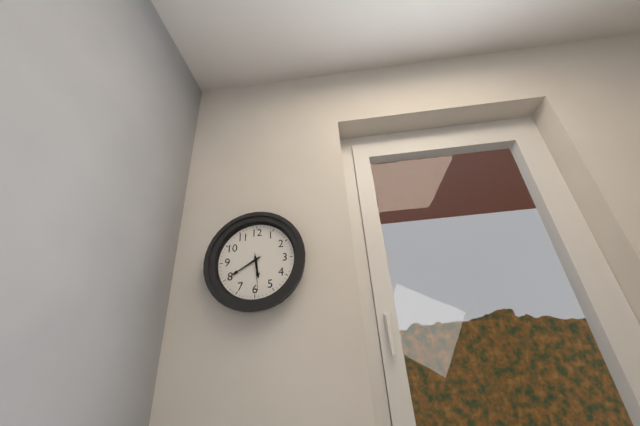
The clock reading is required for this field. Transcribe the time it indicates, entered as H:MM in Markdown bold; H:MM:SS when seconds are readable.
**5:40**
